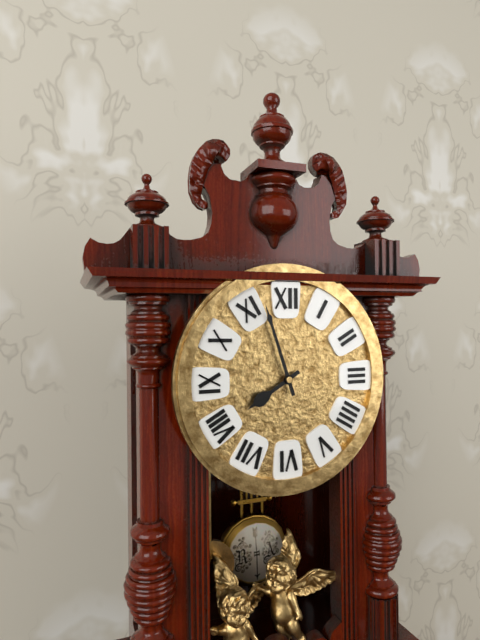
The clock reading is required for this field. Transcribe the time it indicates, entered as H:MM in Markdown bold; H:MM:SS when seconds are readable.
**7:57**
